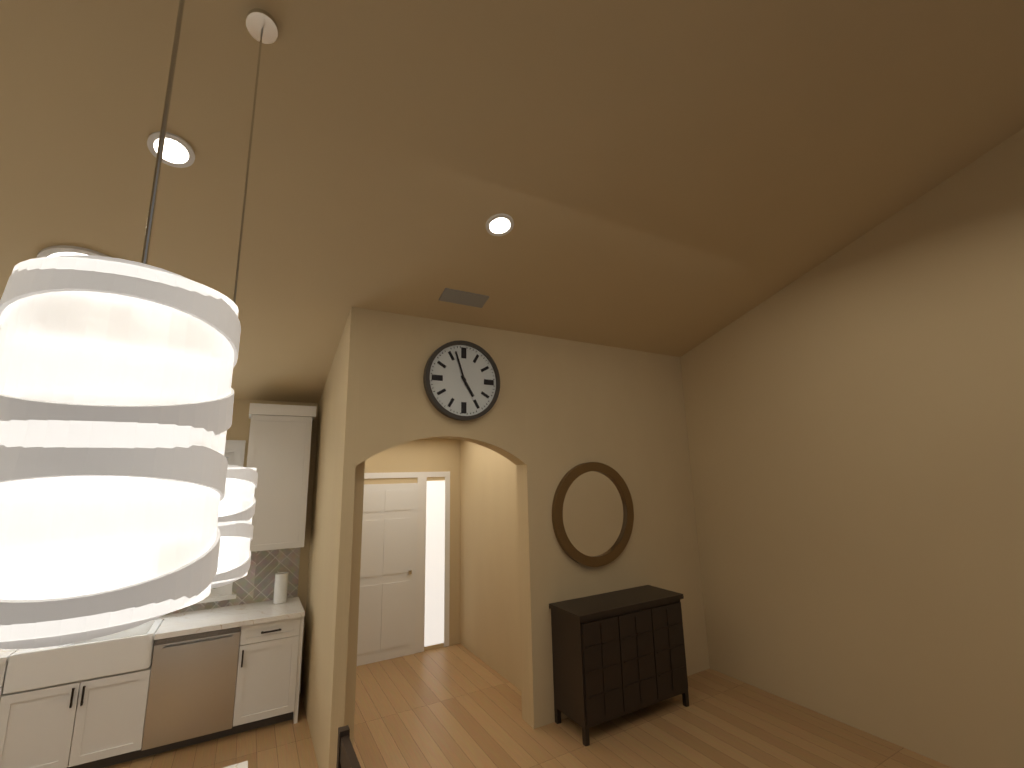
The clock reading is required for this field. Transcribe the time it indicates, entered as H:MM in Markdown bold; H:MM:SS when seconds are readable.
**4:57**
